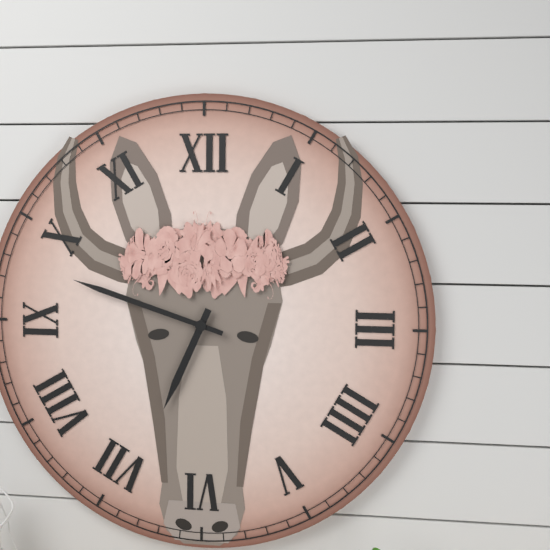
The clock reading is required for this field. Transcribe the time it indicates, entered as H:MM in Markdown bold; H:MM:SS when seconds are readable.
**6:48**
